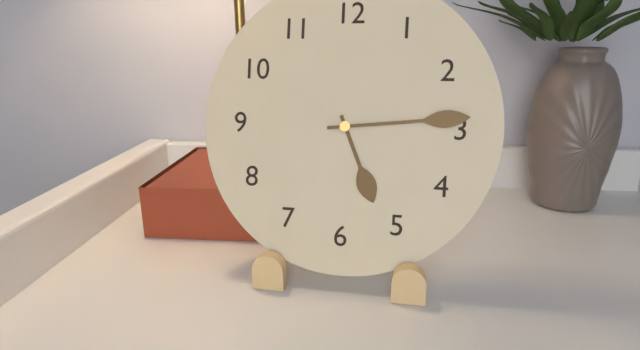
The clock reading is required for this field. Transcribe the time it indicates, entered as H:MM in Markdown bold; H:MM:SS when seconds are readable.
**5:14**
